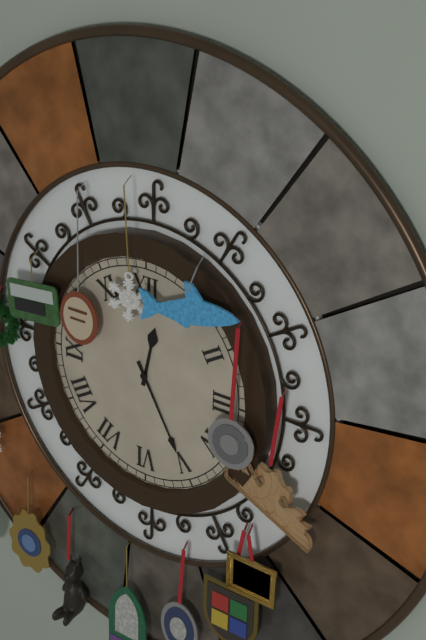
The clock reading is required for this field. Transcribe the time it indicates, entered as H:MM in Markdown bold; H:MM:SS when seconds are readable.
**12:25**
